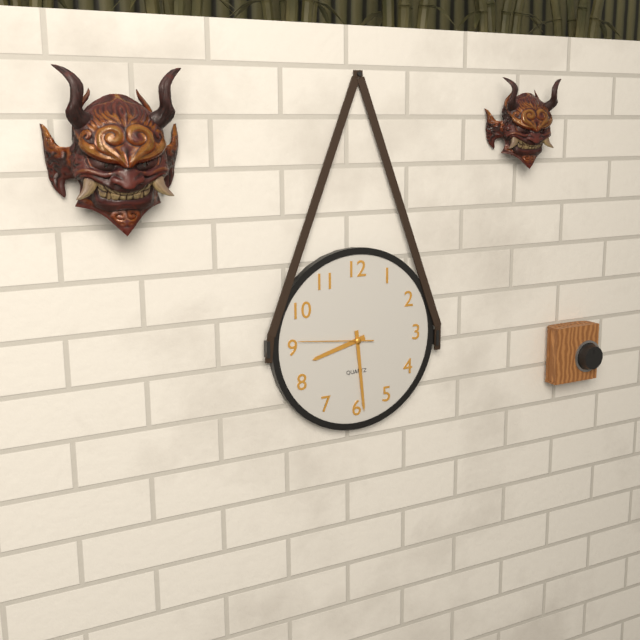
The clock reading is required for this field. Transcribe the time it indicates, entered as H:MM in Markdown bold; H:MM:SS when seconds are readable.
**8:29:46**
